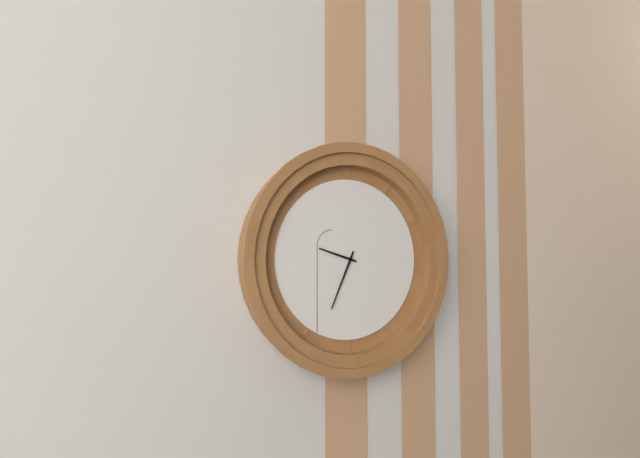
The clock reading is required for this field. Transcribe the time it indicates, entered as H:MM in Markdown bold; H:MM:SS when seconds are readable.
**9:34**
